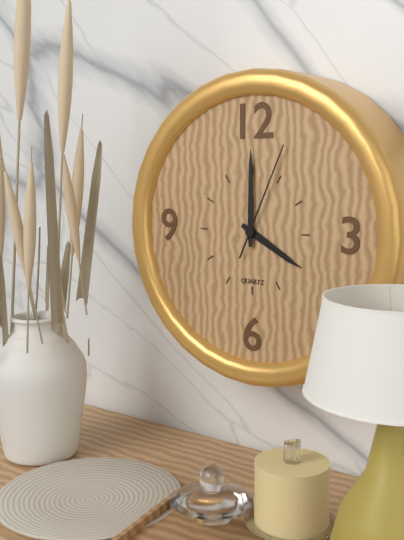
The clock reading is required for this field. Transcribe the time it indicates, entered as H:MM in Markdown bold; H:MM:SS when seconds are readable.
**4:00:04**
